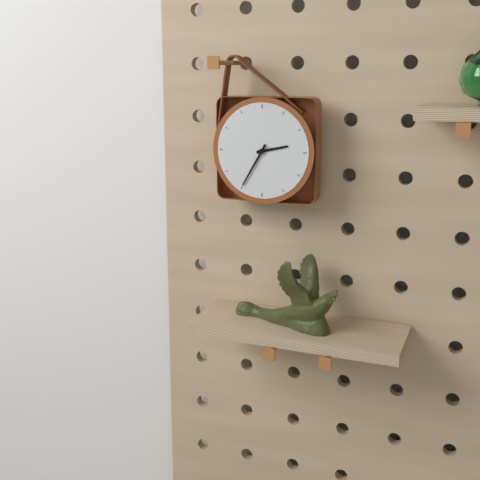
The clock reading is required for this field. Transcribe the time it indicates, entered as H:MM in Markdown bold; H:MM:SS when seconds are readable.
**2:35**
